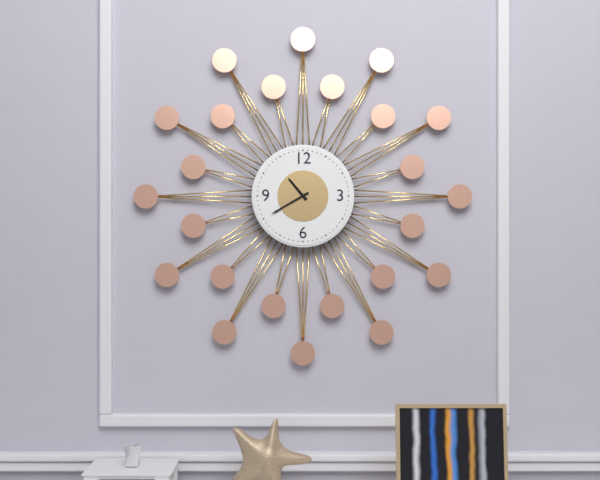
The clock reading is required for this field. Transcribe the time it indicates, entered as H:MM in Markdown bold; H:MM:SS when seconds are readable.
**10:40**
